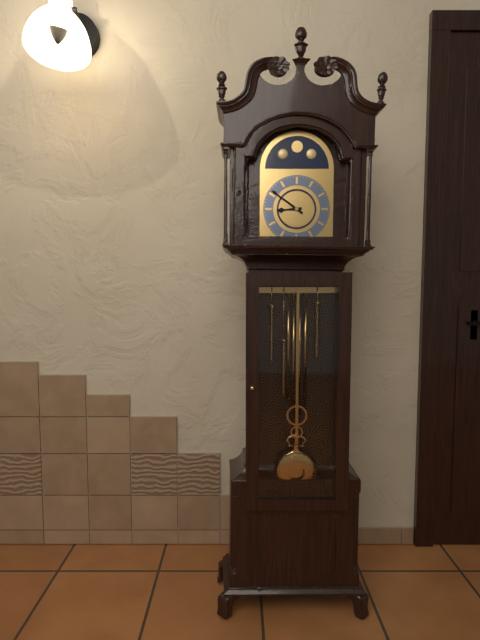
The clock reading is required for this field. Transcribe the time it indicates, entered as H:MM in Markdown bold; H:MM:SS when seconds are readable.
**8:51**
